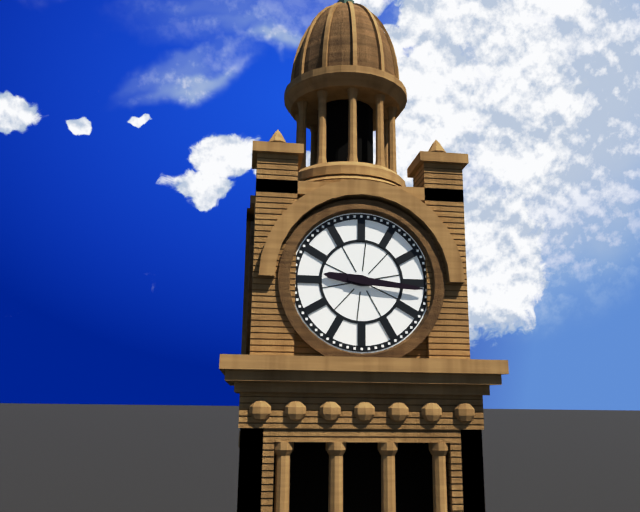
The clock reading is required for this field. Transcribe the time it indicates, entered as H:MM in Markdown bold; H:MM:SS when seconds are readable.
**9:16**
